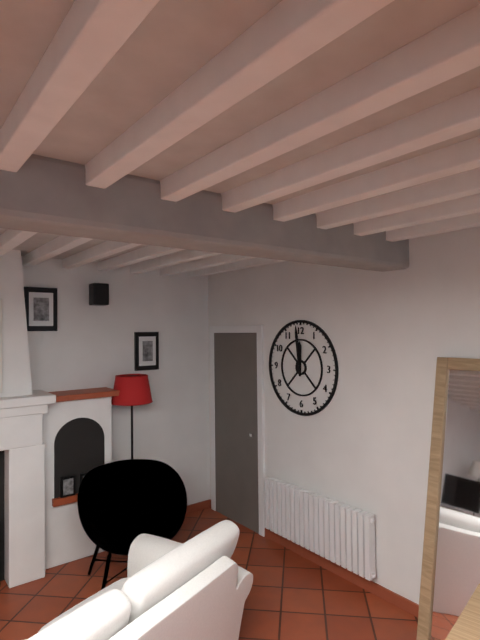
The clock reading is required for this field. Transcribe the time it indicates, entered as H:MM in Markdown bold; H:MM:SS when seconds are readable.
**11:59**
